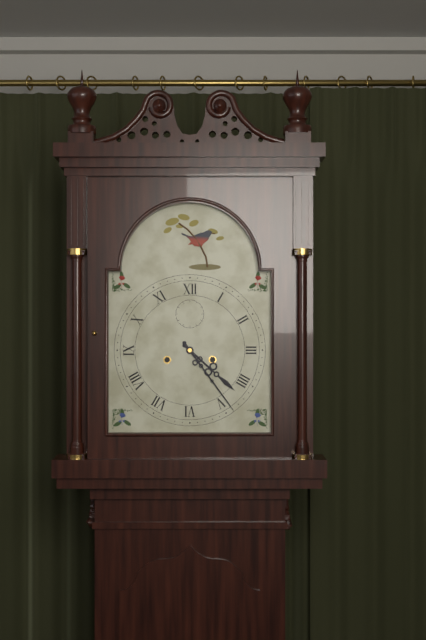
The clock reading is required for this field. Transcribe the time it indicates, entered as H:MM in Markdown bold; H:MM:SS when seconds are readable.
**4:24**
